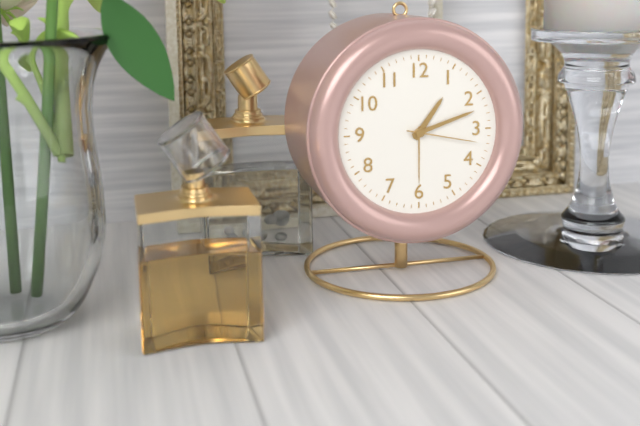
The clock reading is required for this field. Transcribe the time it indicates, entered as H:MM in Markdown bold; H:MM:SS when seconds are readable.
**1:12:17**
